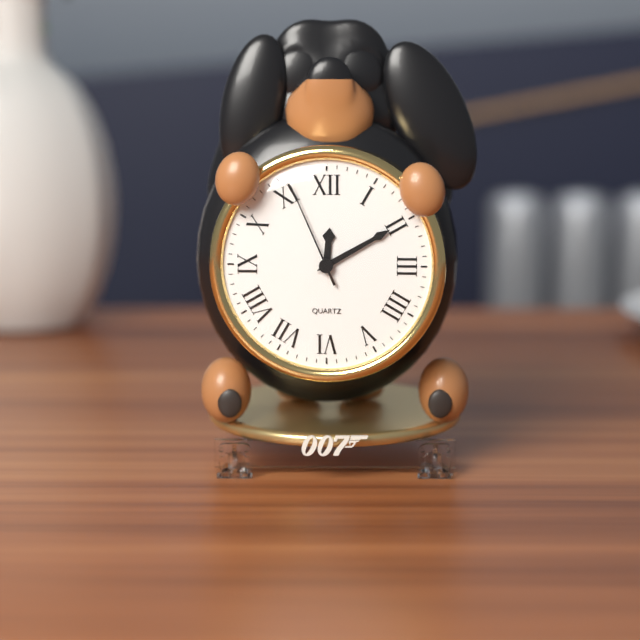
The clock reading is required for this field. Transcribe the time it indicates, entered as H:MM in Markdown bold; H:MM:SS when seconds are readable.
**12:10:56**
